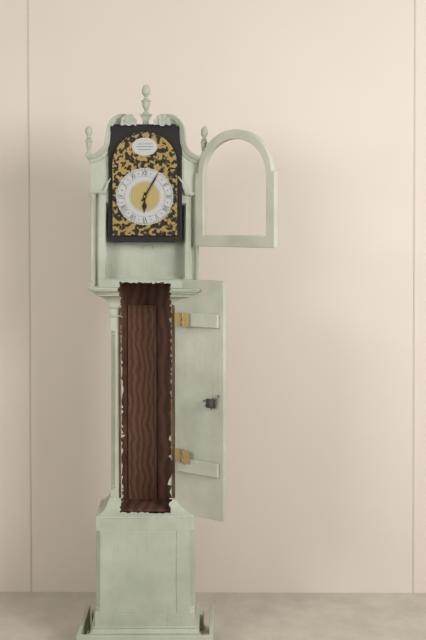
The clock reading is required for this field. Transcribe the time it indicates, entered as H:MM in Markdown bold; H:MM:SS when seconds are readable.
**6:05**
